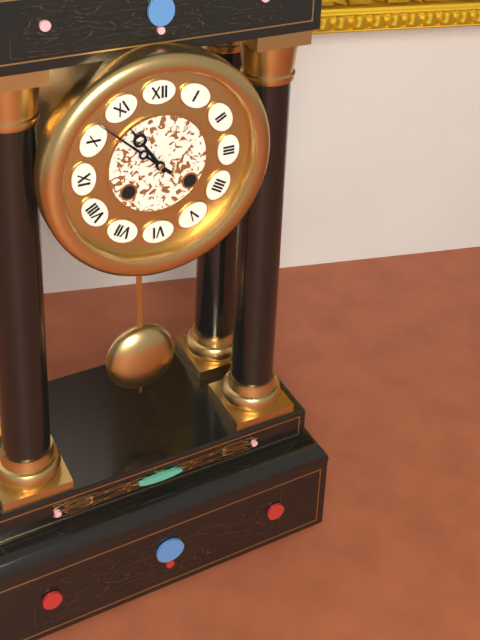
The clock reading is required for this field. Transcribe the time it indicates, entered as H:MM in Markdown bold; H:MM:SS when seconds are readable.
**10:52**
